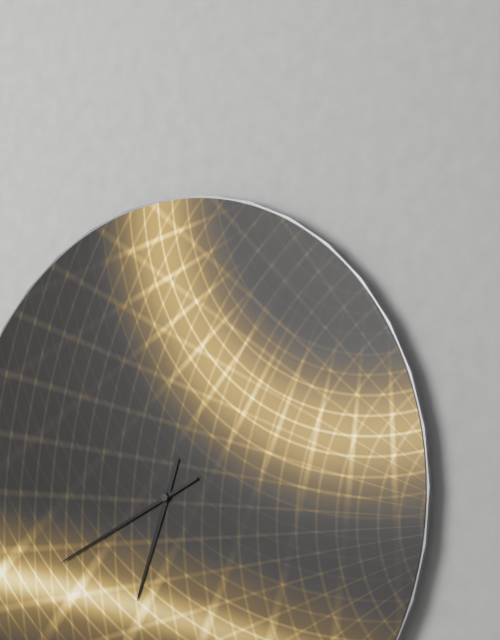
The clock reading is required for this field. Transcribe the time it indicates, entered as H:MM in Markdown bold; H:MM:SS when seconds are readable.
**6:41**
